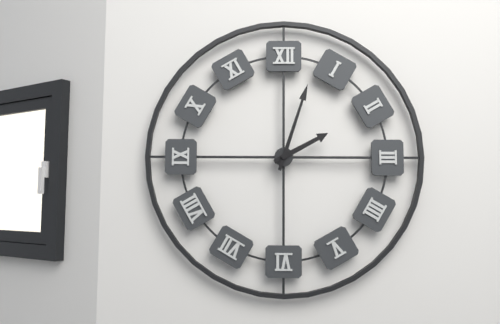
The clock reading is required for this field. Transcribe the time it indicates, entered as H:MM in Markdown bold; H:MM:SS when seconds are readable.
**2:03**
